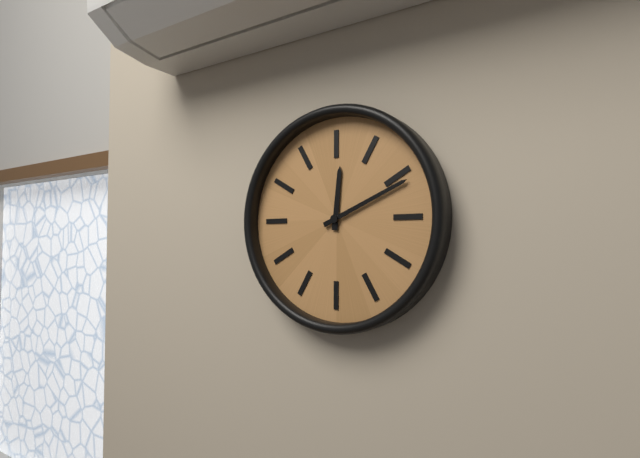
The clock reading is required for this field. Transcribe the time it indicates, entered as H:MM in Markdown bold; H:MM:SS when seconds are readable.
**12:11**
